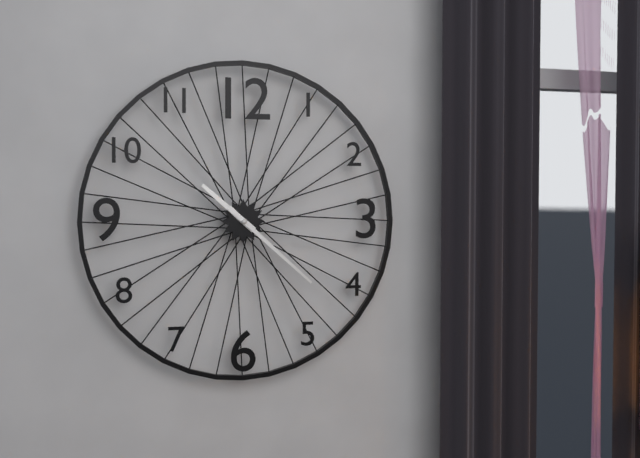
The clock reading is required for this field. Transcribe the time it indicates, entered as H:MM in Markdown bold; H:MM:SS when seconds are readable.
**10:22**
